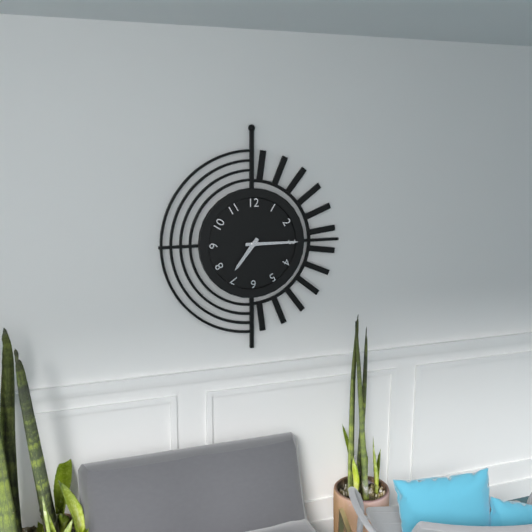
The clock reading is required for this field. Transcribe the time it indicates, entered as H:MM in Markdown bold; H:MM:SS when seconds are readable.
**7:15**
